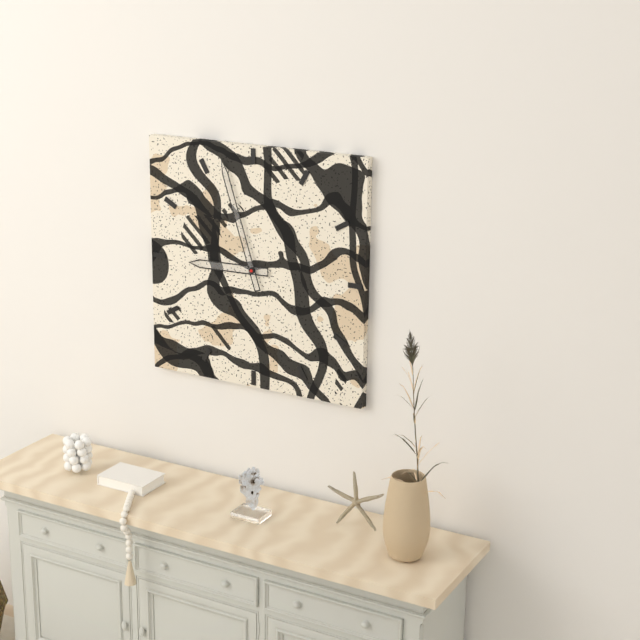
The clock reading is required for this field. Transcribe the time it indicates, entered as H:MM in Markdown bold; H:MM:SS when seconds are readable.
**8:57**
